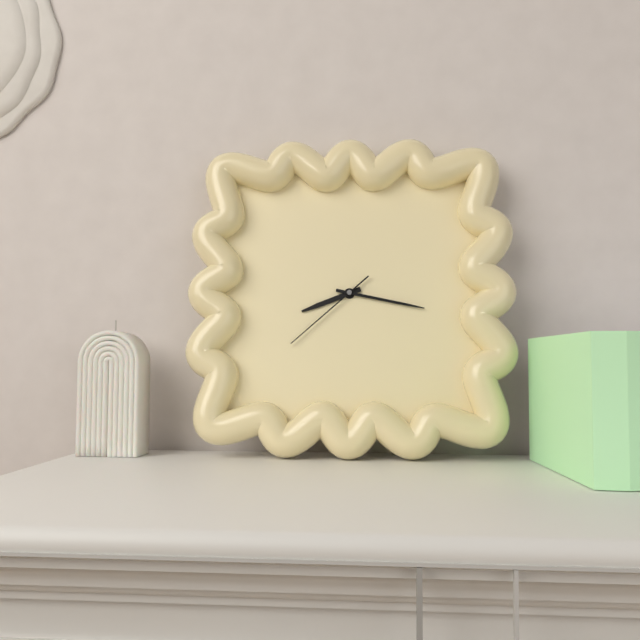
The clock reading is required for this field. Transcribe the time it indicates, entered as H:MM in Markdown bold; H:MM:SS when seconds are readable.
**8:17:38**
